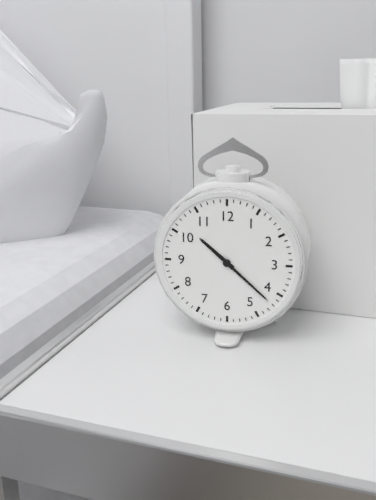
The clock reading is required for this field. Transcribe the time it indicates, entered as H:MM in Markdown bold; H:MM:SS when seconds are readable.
**10:22**
